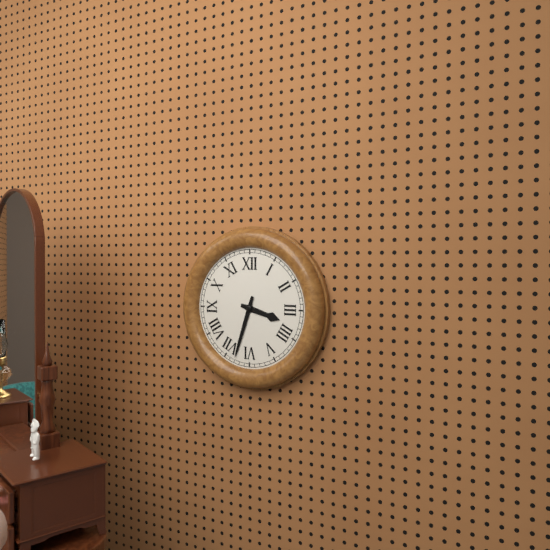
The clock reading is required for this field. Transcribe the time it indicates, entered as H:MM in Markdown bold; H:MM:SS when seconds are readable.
**3:33**
